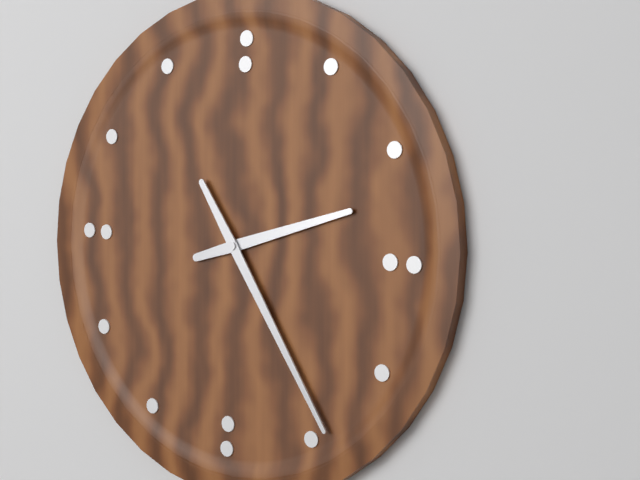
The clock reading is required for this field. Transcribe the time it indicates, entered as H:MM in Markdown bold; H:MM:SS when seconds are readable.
**2:24**
